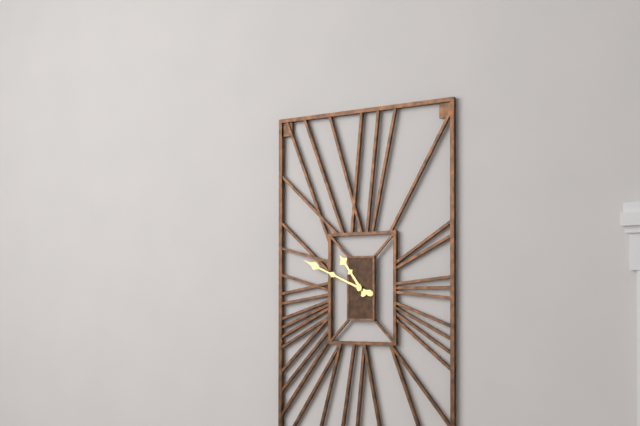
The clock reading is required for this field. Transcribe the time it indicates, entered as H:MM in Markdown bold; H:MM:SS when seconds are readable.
**10:49**
